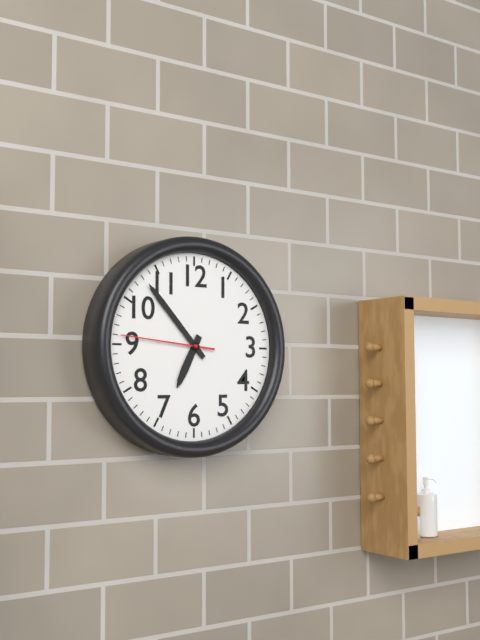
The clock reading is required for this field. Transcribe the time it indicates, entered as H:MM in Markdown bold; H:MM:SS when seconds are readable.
**6:53:46**
